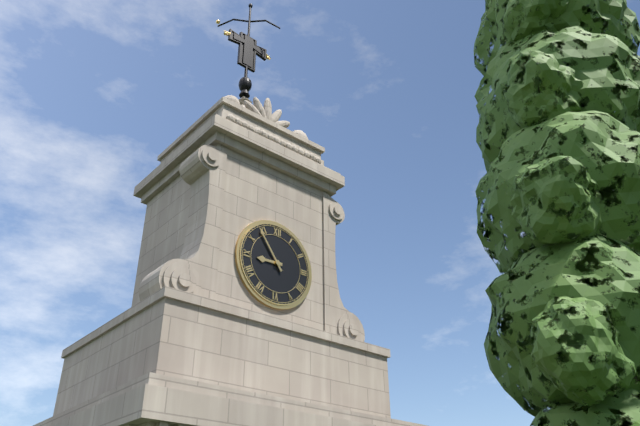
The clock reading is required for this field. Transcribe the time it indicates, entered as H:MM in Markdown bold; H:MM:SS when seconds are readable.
**8:54**
